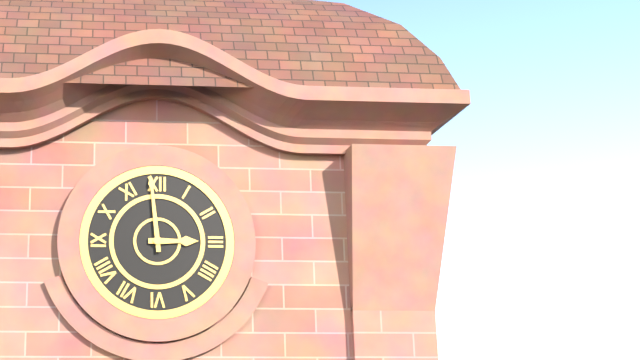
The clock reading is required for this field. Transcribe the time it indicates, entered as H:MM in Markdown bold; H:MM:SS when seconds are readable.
**2:59**
